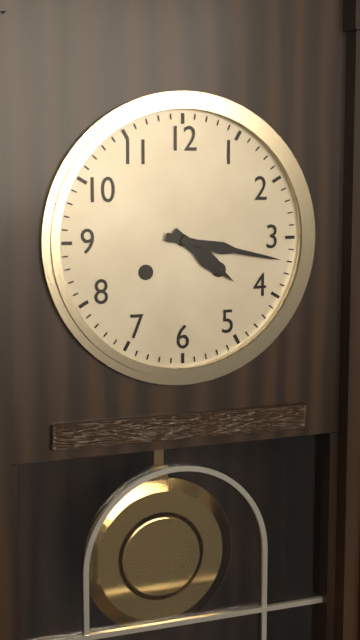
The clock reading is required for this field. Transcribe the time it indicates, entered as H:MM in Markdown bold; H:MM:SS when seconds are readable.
**4:17**
